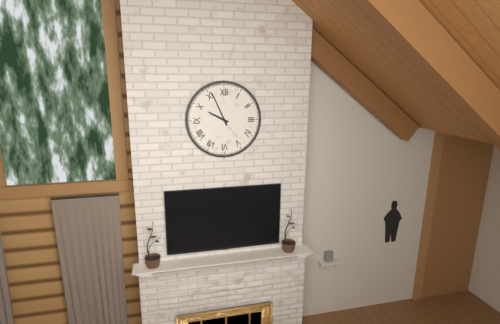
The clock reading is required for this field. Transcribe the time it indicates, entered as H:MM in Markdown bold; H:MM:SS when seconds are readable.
**9:56**
